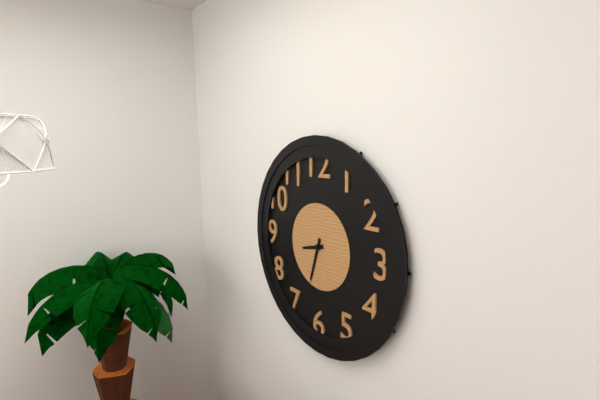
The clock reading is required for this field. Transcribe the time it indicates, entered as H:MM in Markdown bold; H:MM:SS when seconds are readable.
**8:33**
